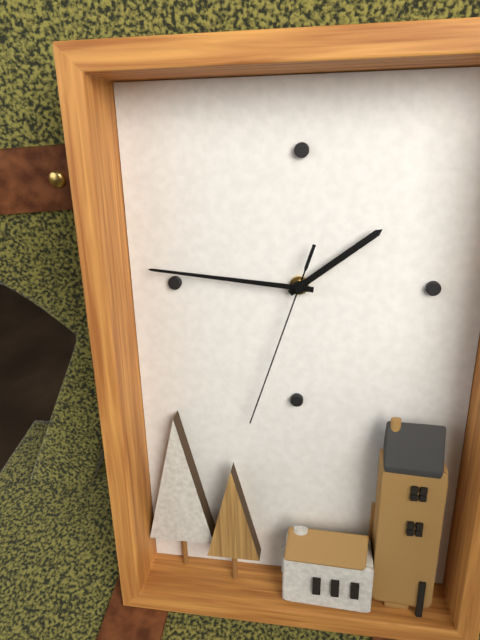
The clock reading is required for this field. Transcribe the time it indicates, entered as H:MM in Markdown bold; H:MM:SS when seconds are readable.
**1:46:33**
